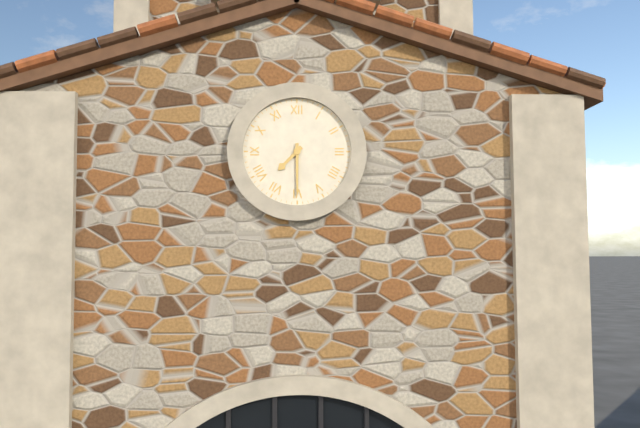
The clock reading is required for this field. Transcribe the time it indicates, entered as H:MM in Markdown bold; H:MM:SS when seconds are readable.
**7:30**
